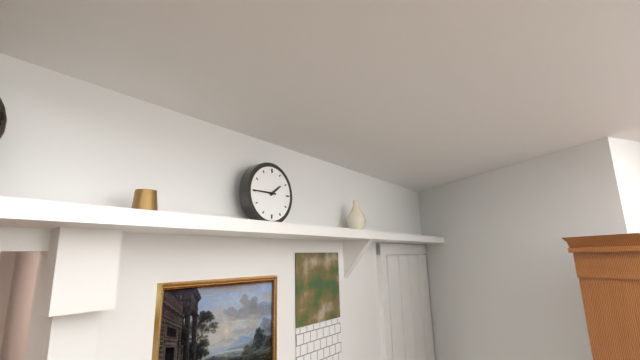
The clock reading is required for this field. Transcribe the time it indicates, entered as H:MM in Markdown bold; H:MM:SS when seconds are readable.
**1:45**
